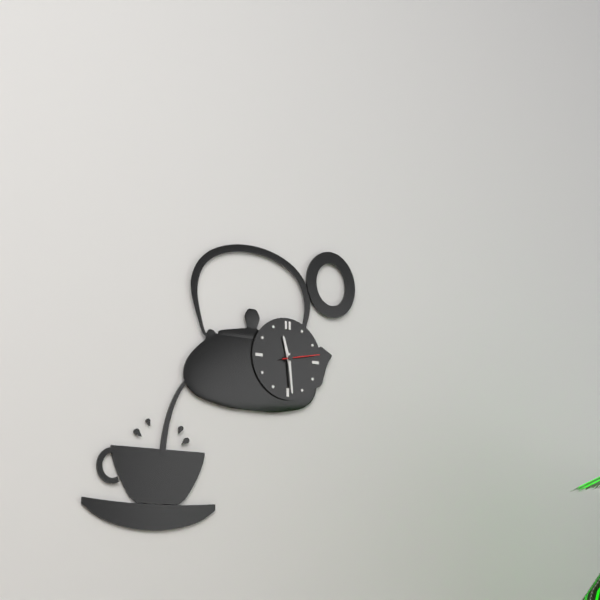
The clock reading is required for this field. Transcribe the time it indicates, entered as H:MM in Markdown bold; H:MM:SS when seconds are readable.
**11:29**
